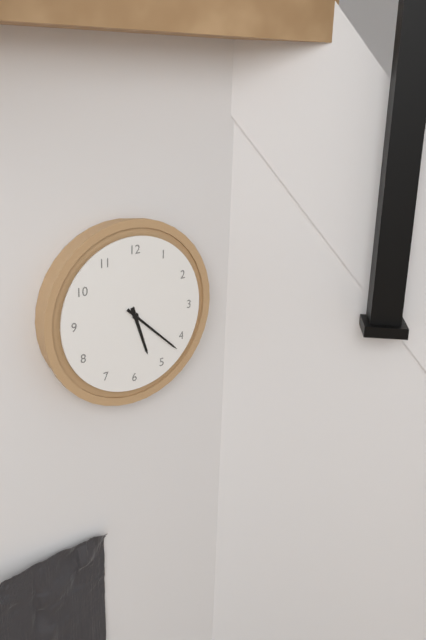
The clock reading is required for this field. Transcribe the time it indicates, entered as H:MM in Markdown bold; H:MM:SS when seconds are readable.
**5:22**
